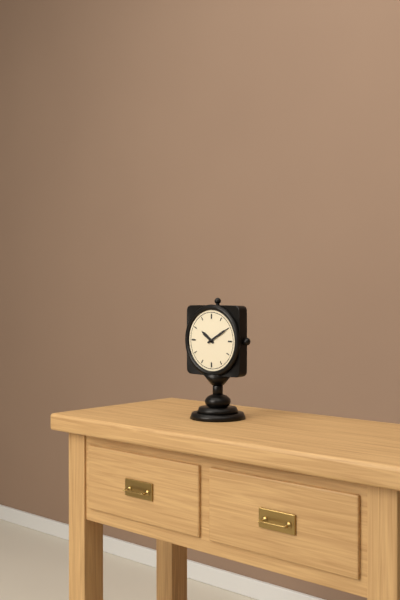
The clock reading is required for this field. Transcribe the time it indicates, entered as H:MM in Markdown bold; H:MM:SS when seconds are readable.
**10:10**
